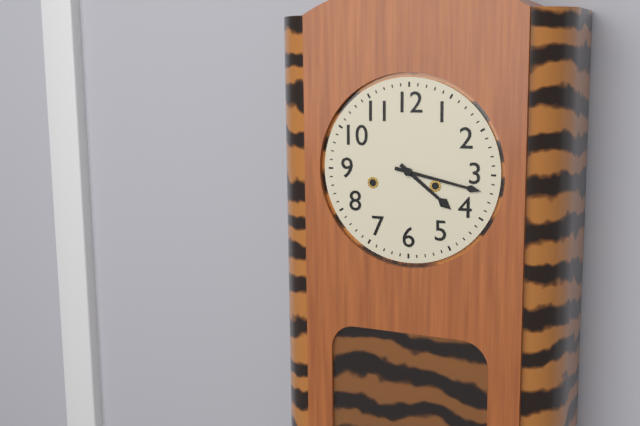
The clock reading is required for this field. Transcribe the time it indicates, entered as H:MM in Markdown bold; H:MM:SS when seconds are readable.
**4:17**
